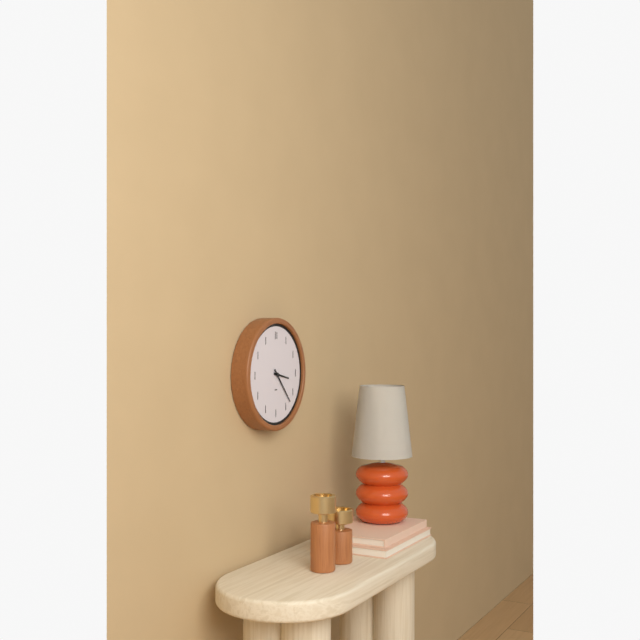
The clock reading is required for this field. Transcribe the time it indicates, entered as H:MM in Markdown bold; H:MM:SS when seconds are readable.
**3:23**
